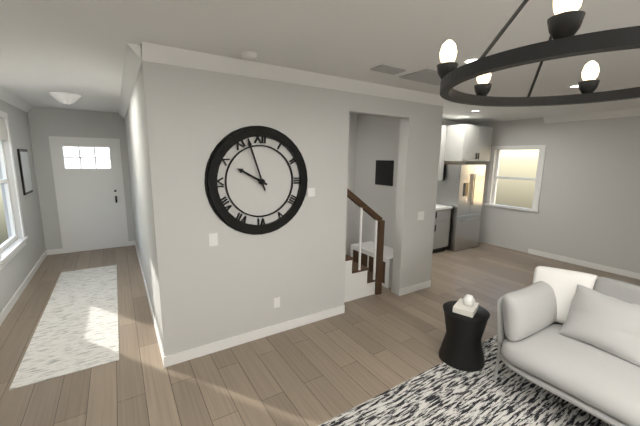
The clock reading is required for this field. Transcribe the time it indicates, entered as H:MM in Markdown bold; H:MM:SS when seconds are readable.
**9:57**
